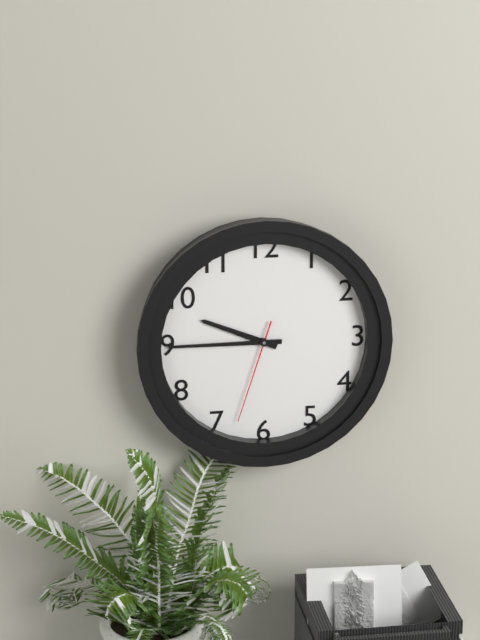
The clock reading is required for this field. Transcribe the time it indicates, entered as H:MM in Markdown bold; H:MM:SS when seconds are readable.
**9:45:33**
